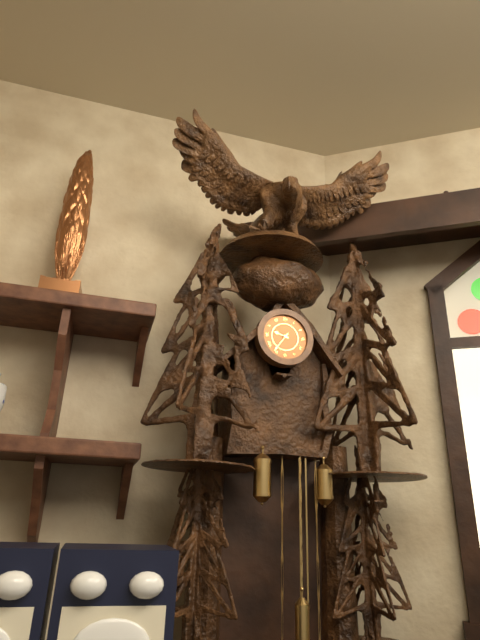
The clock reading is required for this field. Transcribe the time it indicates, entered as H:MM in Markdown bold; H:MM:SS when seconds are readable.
**9:36**
